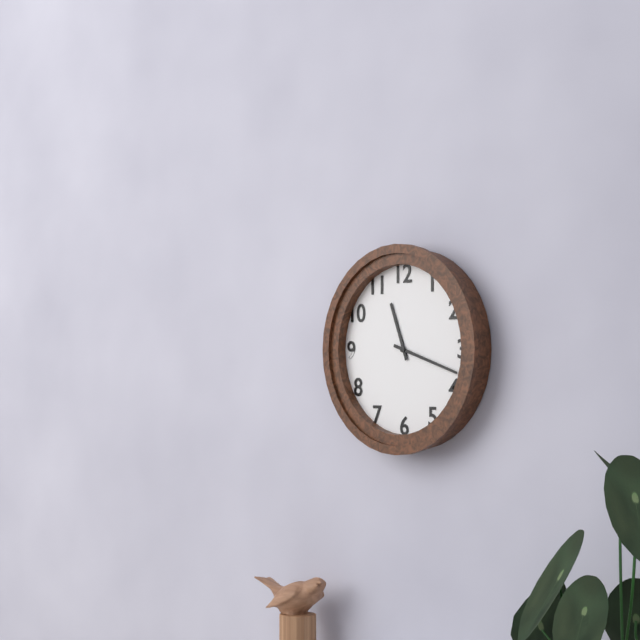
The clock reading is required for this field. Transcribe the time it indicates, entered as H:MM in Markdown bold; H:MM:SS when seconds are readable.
**11:18**
